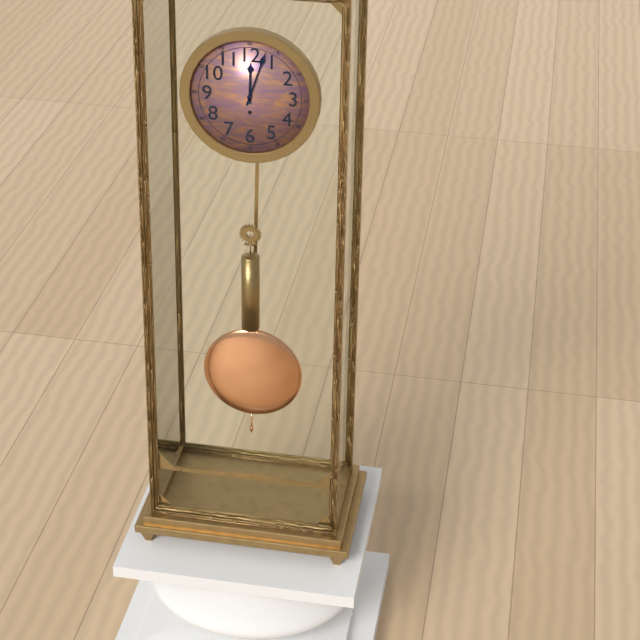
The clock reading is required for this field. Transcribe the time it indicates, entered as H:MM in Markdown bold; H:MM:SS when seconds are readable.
**12:03**
